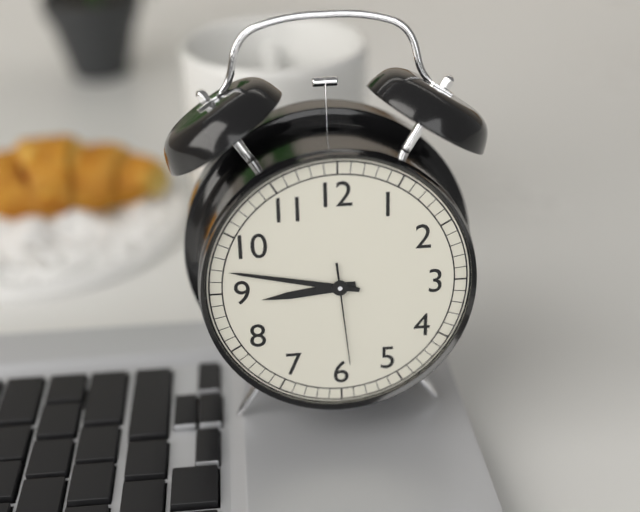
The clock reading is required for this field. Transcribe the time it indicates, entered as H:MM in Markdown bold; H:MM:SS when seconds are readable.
**8:47:29**
